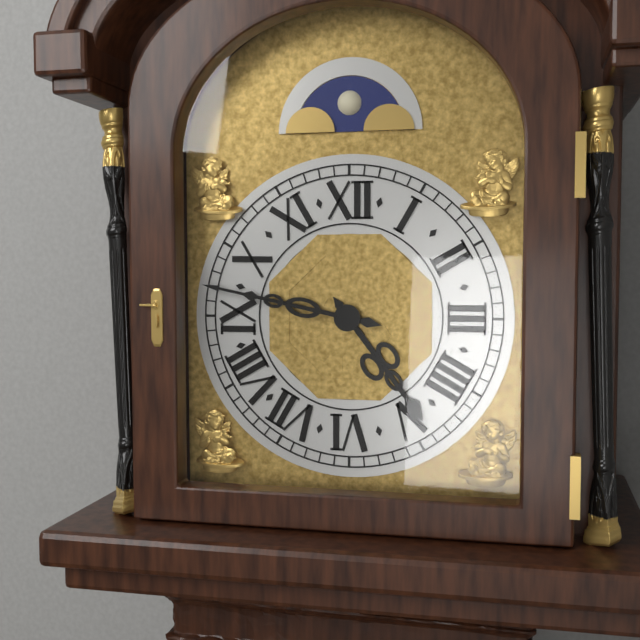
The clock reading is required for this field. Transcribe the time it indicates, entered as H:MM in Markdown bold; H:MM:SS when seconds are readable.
**4:47**
